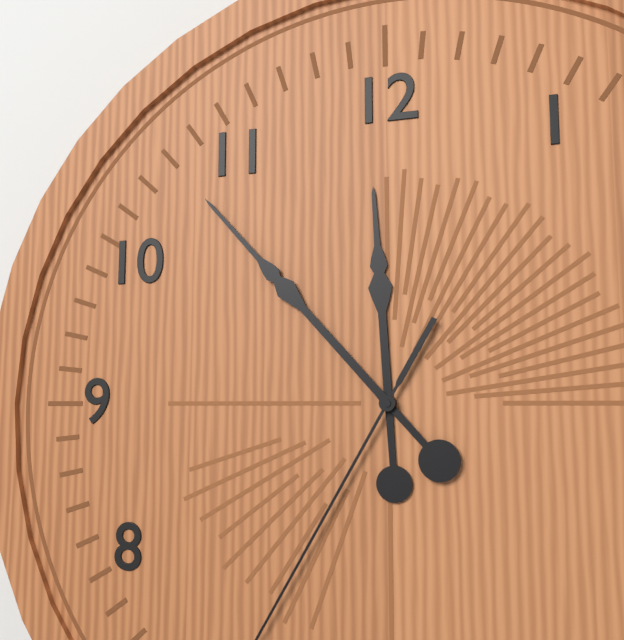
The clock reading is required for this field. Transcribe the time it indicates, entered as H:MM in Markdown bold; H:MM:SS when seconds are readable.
**11:53**
